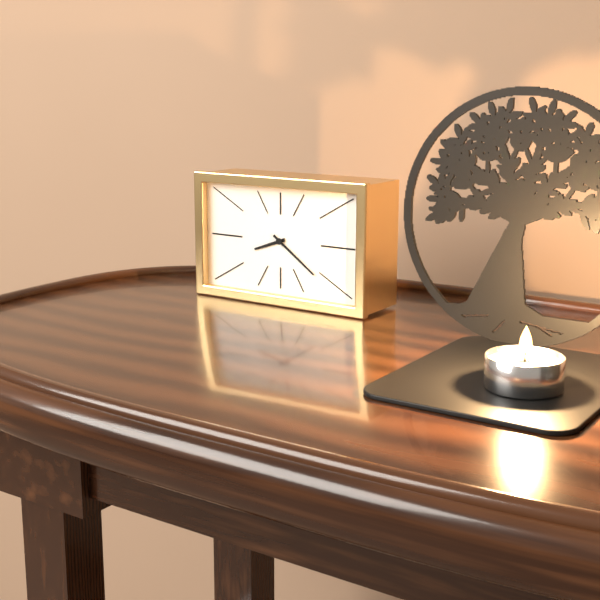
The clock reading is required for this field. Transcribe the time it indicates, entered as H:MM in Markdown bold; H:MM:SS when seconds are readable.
**8:21**
